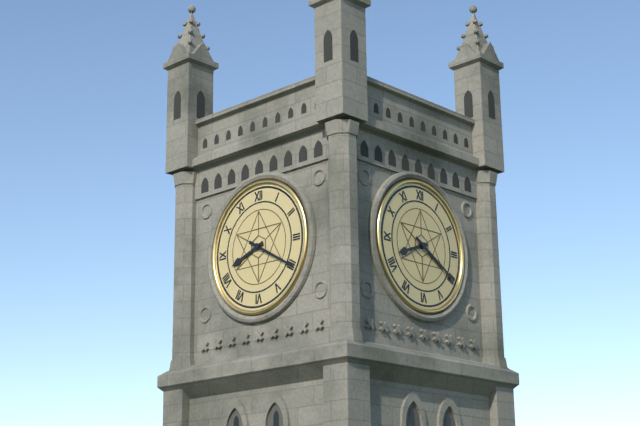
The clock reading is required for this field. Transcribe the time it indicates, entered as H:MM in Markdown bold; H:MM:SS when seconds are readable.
**8:20**
